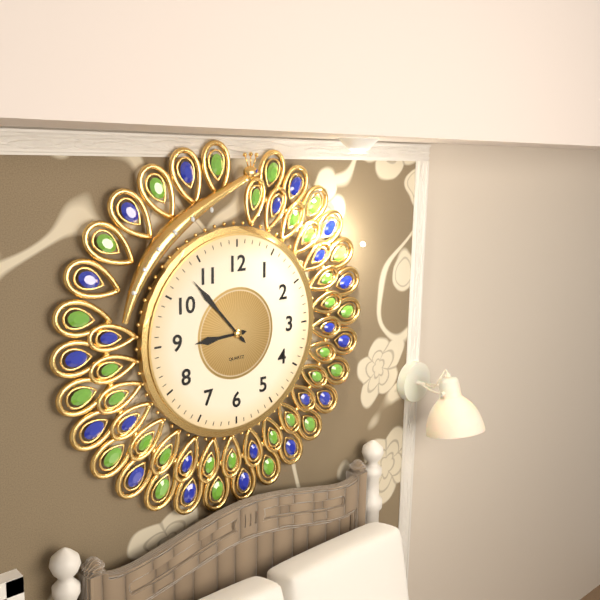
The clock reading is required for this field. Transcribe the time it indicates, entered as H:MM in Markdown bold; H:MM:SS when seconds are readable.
**8:53**
